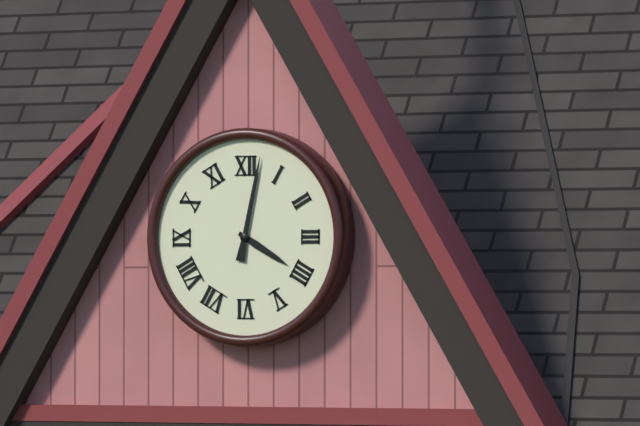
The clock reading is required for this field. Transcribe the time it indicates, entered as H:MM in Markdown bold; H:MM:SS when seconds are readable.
**4:02**
